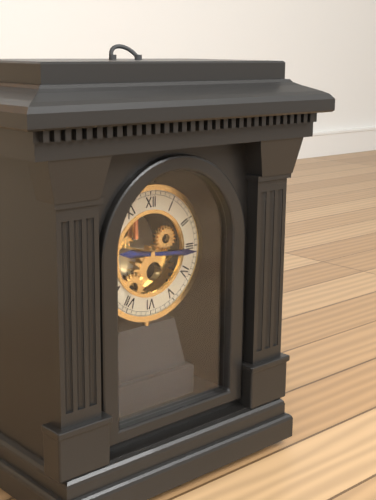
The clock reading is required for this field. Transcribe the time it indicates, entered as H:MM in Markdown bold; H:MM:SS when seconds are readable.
**9:16**
